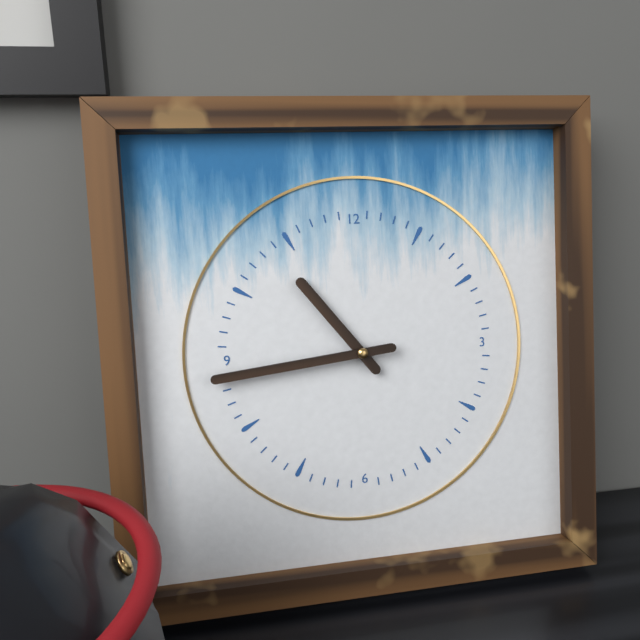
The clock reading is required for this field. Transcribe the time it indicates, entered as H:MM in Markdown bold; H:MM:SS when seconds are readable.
**10:44**
